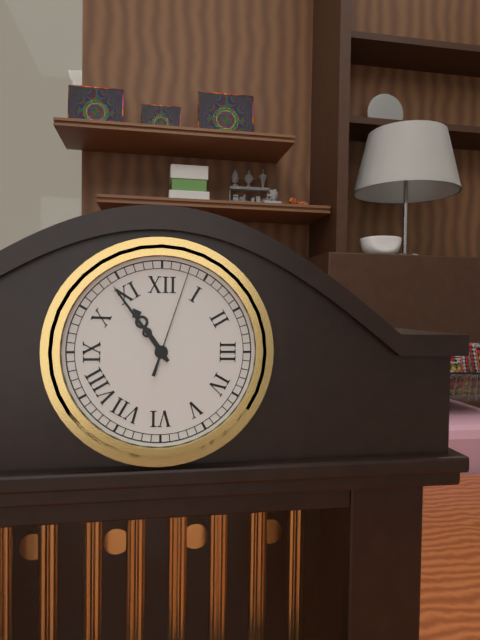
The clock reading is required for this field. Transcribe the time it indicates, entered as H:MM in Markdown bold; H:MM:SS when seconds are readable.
**10:54:03**
